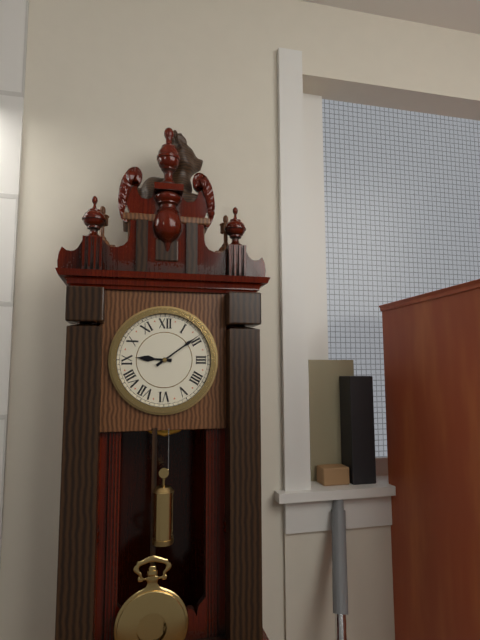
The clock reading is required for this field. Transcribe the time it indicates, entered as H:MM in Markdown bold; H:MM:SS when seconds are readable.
**9:09**
